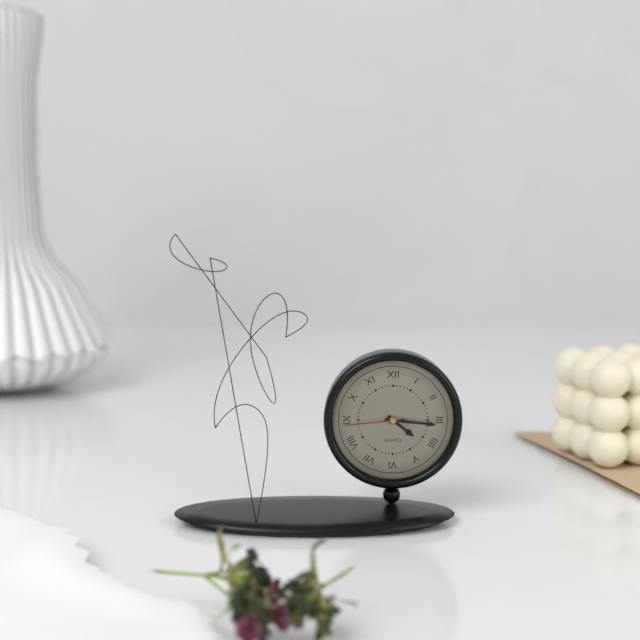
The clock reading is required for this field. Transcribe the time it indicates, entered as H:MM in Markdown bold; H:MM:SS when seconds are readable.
**4:16:44**
